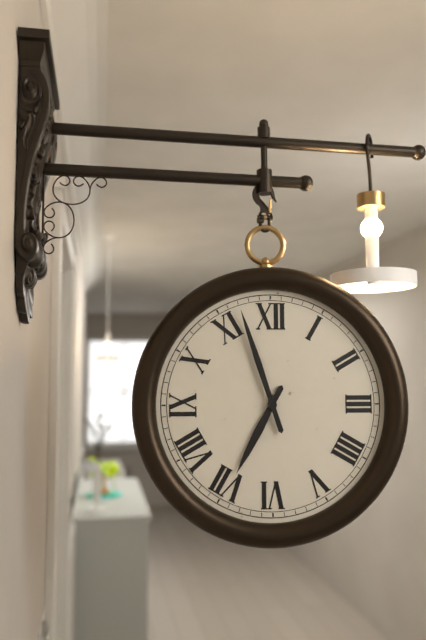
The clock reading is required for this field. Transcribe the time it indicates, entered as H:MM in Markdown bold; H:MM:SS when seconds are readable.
**6:57**
